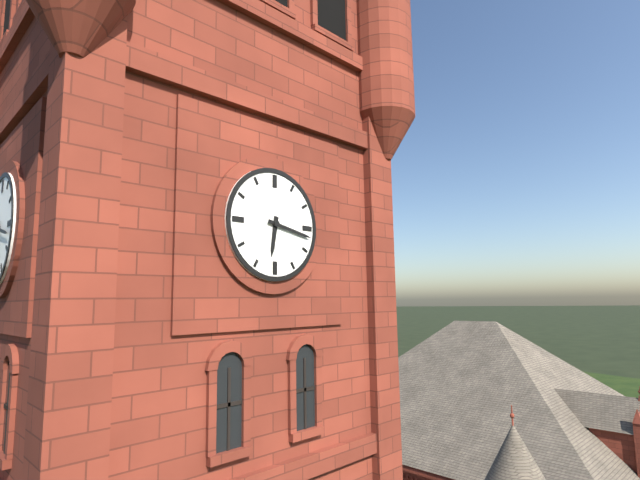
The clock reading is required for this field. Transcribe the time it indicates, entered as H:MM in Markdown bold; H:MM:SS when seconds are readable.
**6:17**
